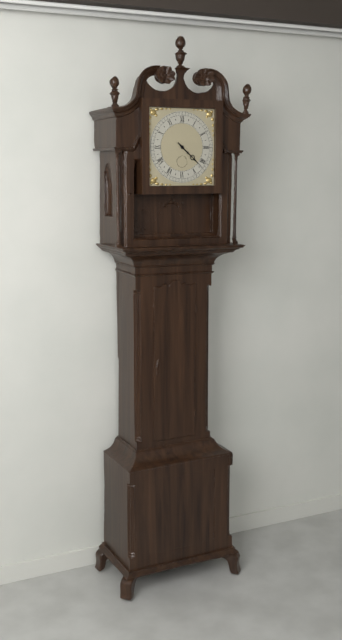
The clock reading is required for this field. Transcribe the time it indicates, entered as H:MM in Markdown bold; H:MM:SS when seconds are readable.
**4:22**
